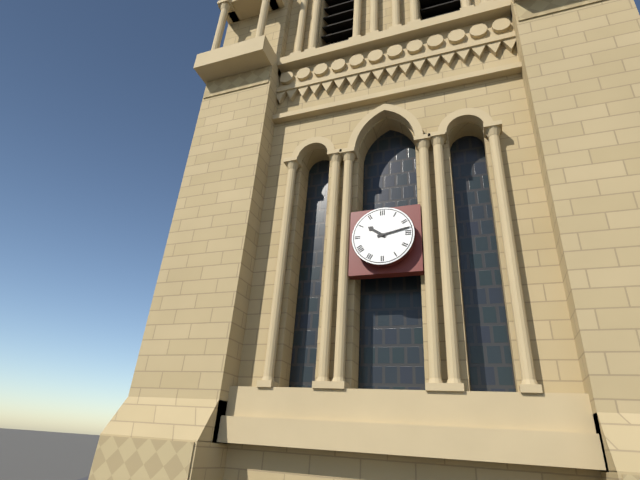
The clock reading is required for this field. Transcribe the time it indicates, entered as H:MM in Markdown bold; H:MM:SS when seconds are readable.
**10:13**
